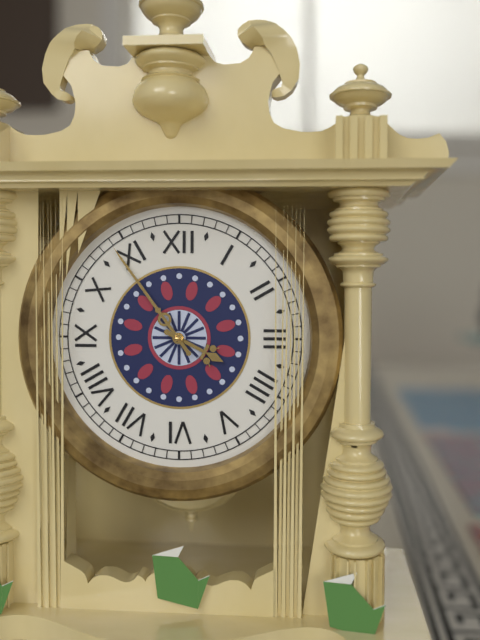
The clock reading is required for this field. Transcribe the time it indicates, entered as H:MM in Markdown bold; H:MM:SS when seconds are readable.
**3:54**
